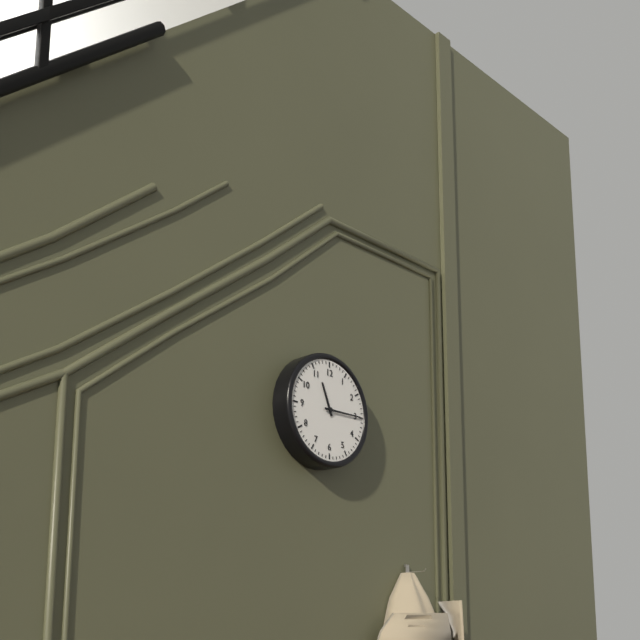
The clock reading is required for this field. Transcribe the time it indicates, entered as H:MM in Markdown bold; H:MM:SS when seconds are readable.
**11:15**
